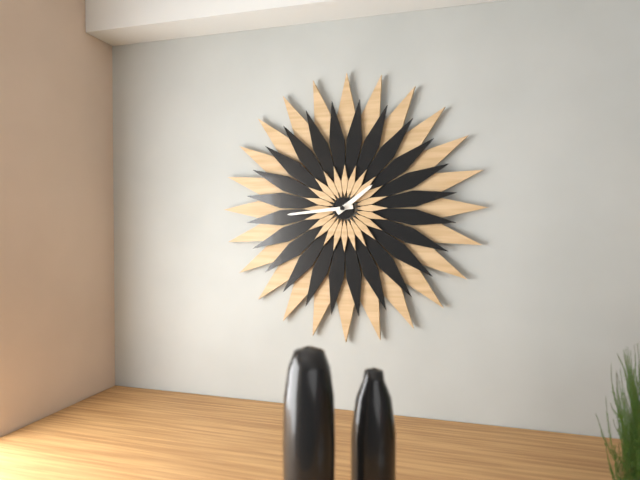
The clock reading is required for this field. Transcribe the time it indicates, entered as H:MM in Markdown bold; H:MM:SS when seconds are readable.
**1:44**
